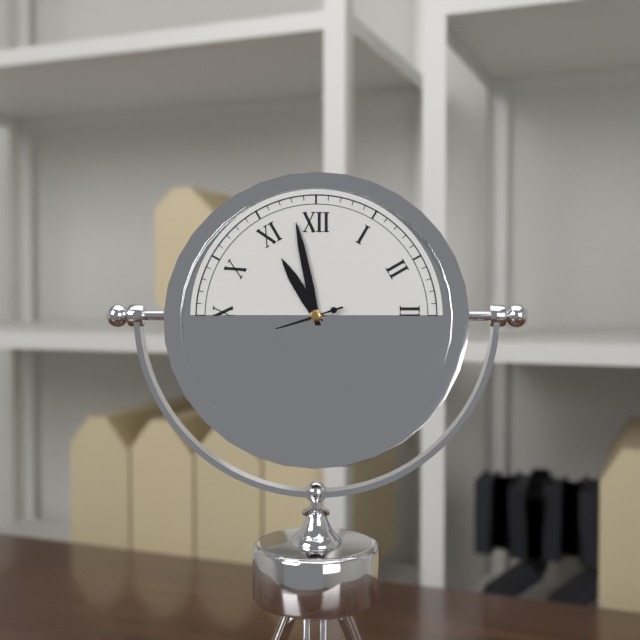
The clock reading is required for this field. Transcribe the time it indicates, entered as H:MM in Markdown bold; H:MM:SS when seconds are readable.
**10:58**
